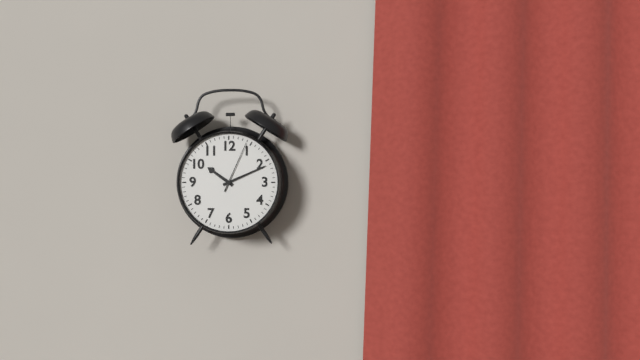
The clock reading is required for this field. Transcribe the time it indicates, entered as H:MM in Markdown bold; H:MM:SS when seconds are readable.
**10:11:04**
